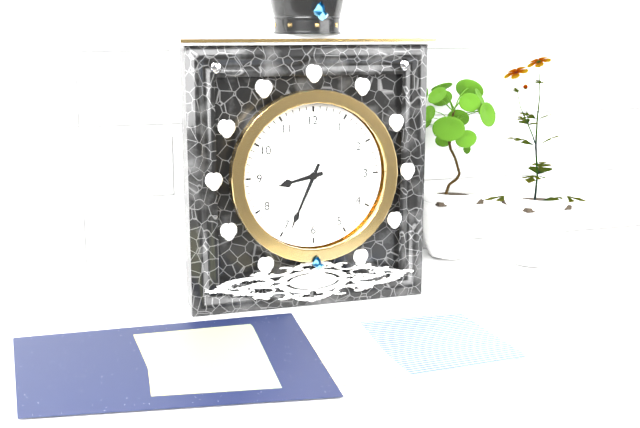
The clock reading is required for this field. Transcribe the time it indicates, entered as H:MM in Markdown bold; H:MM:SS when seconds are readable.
**8:34**
